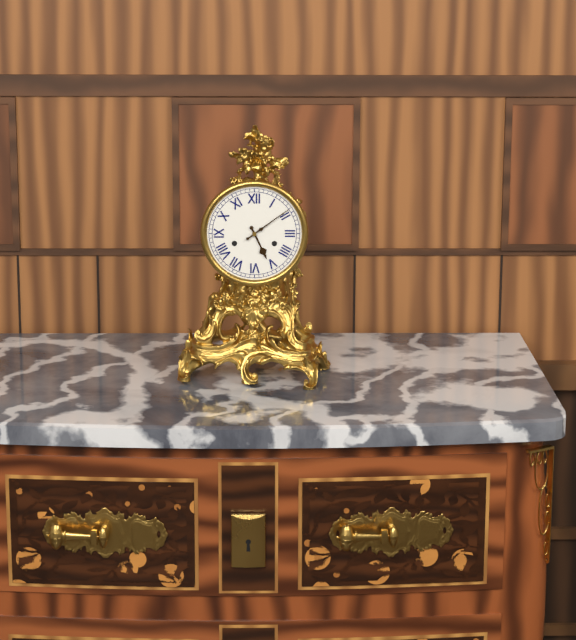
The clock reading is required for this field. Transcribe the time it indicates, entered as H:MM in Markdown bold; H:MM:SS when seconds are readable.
**5:09**
